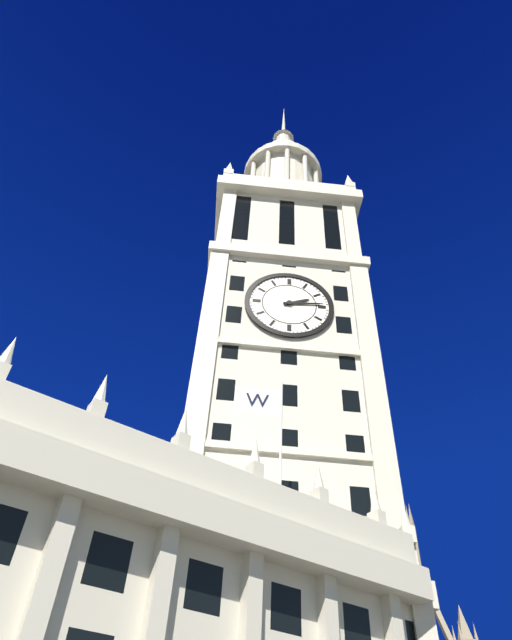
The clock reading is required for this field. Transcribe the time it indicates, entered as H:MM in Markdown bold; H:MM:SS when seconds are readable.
**2:14**
